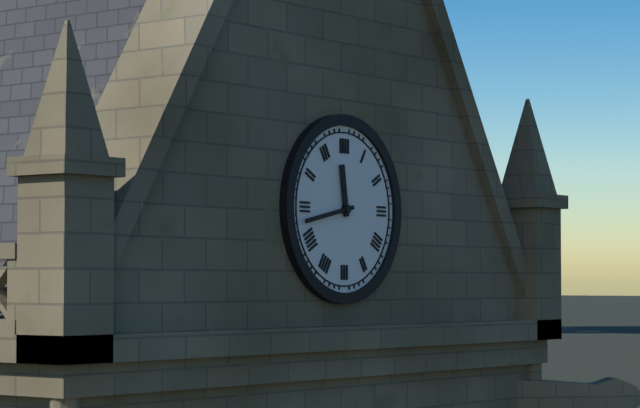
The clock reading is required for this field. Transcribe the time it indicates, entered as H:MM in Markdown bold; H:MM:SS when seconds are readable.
**11:43**
